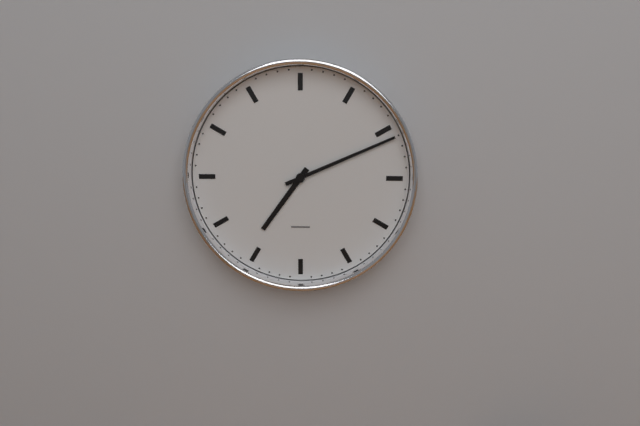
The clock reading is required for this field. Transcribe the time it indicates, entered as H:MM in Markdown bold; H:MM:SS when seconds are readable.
**7:11**
